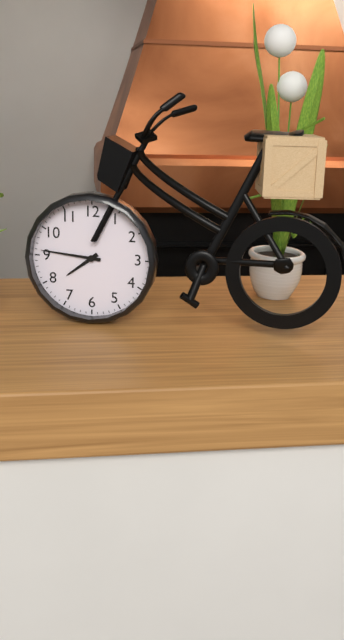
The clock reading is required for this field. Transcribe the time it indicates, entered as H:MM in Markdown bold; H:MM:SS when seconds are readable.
**7:46**
